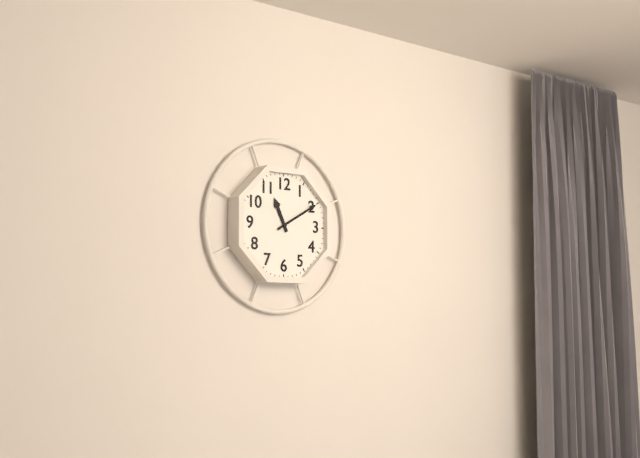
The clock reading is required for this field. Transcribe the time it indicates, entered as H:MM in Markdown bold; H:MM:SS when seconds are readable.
**11:10**
